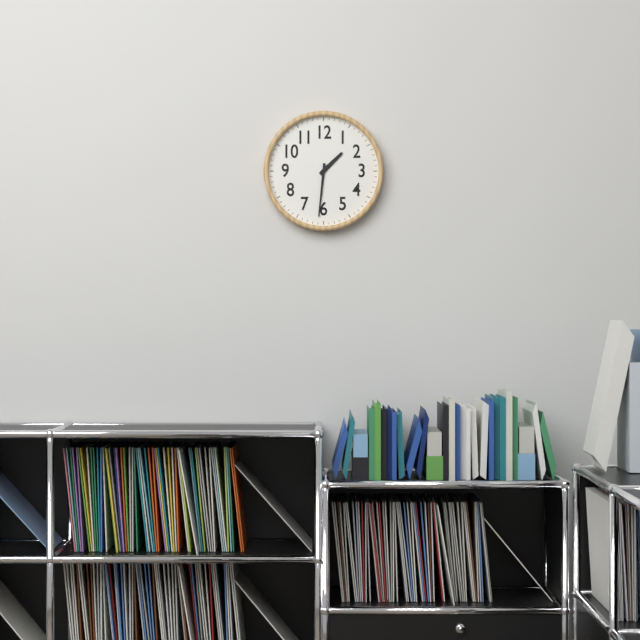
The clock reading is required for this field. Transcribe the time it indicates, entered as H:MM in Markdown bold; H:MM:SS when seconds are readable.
**1:31**
